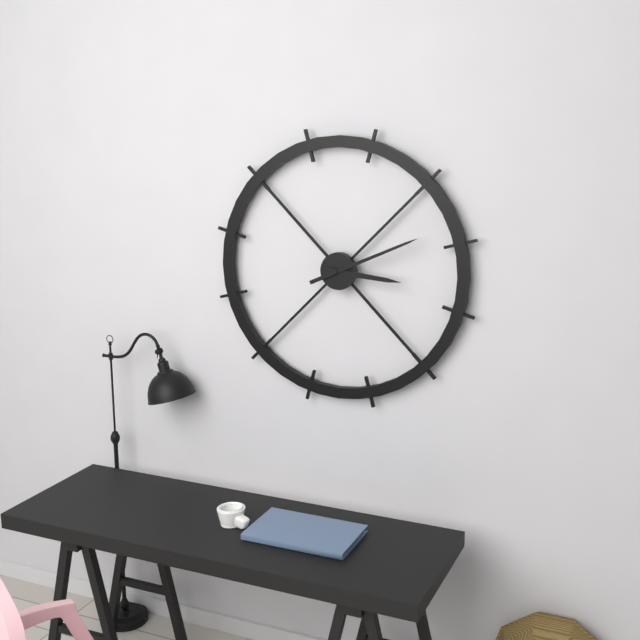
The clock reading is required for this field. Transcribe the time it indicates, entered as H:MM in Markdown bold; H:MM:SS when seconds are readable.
**3:11**
